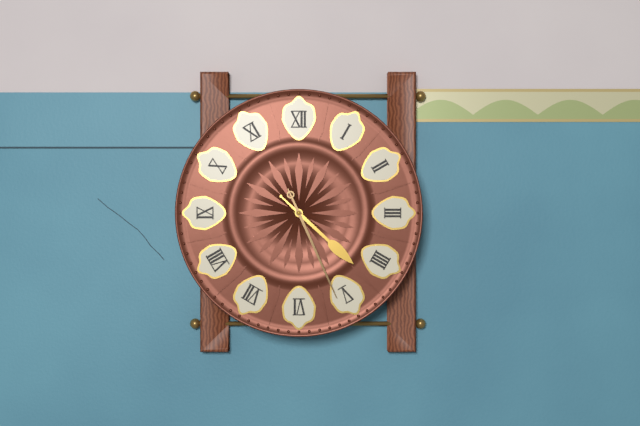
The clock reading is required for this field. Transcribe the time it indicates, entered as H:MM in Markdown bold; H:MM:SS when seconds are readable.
**4:26**
